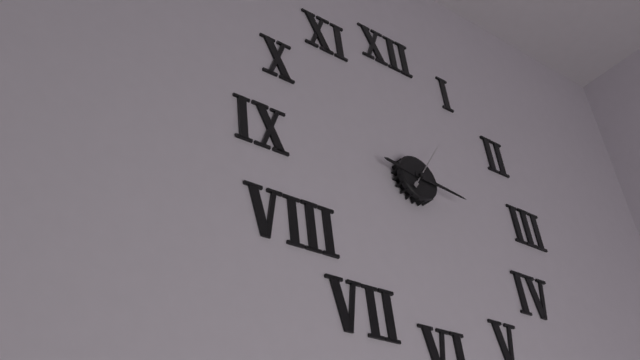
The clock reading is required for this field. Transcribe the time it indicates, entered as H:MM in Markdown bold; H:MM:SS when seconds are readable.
**9:16:06**
